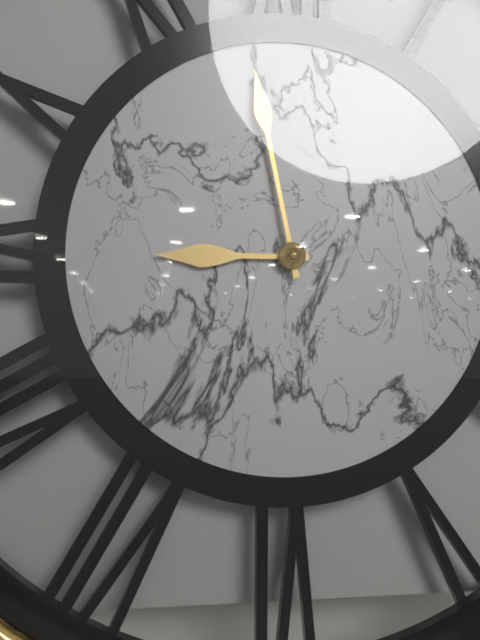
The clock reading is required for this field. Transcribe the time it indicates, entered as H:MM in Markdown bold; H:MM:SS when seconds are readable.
**8:58**
